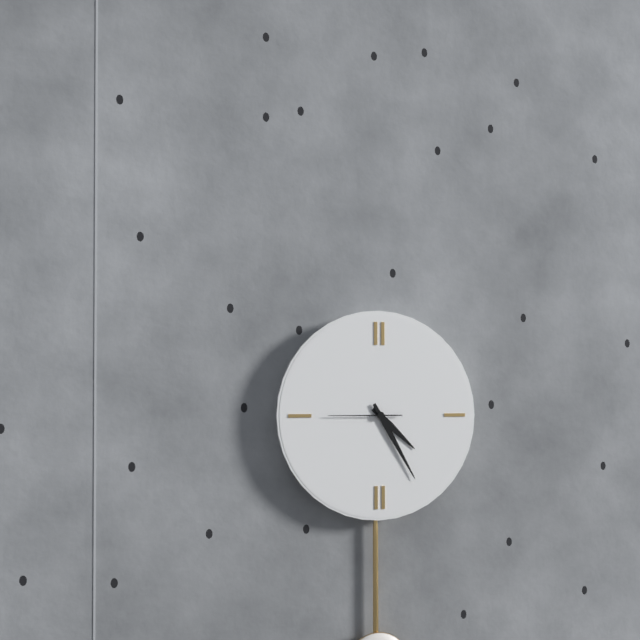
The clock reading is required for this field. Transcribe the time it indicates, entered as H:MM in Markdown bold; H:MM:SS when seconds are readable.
**4:25:45**
